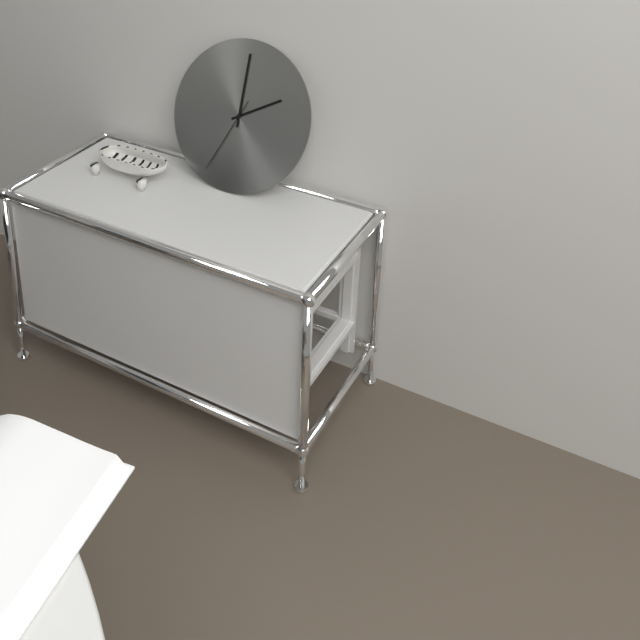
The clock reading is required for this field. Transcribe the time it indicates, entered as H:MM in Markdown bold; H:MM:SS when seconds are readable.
**2:00:34**
